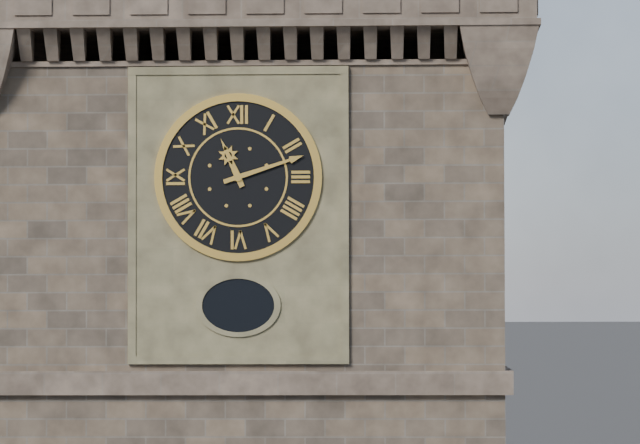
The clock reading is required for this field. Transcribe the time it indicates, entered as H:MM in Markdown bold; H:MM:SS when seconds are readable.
**11:12**
